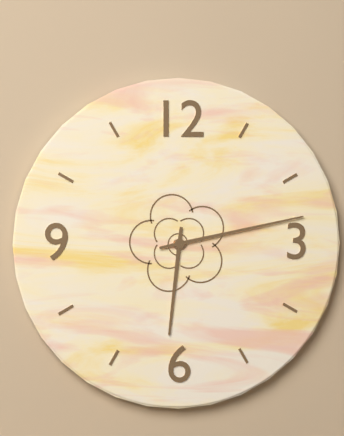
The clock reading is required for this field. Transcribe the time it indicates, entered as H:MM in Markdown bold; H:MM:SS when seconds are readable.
**6:13**
